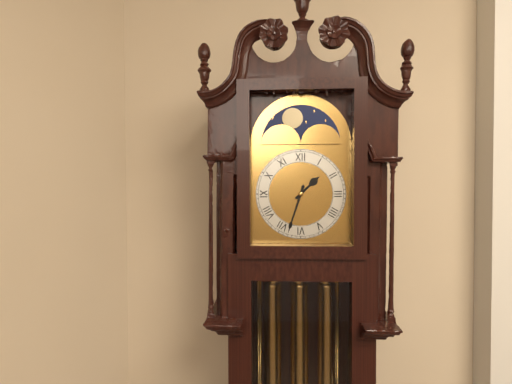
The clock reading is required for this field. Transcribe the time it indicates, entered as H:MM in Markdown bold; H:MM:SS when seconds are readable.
**1:33**
